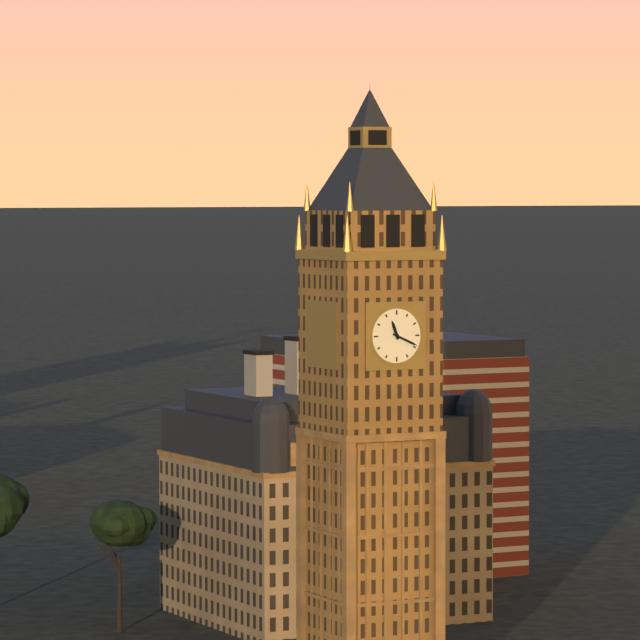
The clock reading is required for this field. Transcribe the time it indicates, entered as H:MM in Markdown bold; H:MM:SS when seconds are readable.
**11:19**
